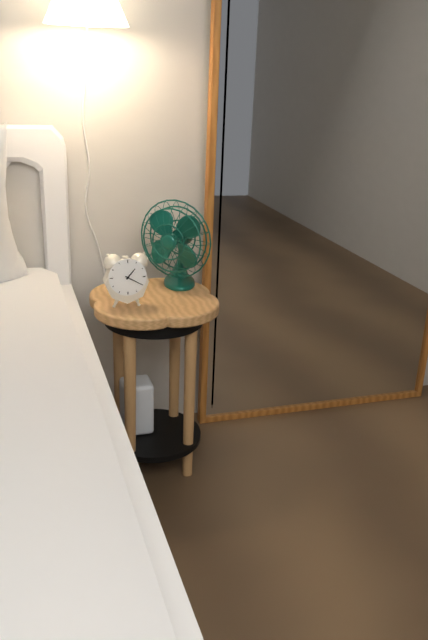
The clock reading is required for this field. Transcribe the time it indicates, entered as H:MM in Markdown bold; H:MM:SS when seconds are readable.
**1:20**
